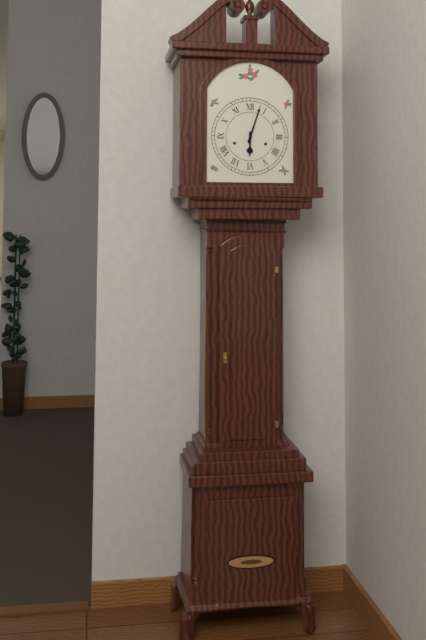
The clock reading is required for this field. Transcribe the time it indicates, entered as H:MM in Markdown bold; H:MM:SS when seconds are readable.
**6:03**
